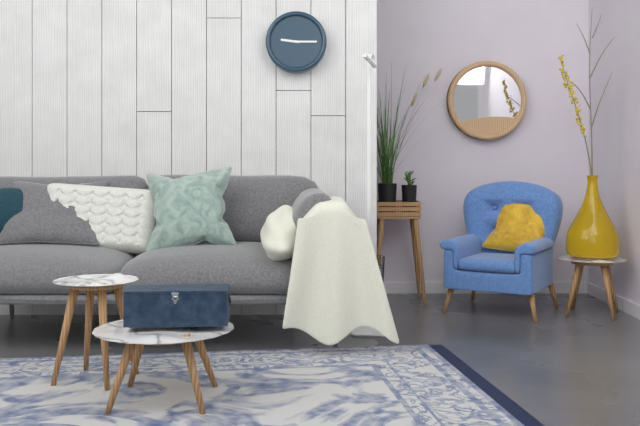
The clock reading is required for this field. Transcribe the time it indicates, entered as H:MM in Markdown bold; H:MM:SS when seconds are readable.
**9:15**
